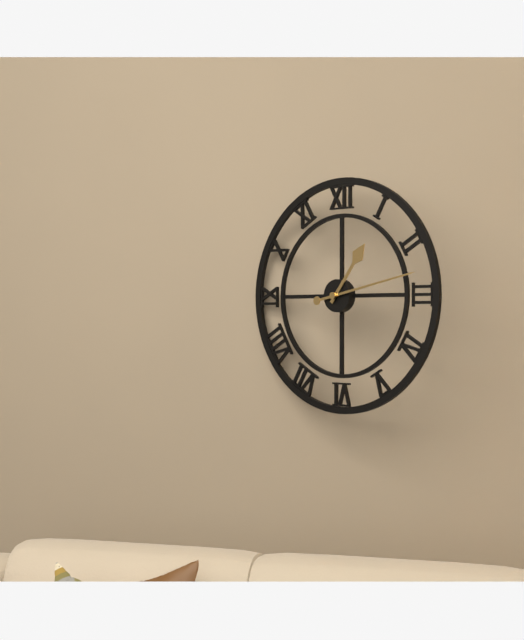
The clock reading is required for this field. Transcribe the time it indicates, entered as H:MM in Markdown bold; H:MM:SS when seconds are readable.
**1:13**
